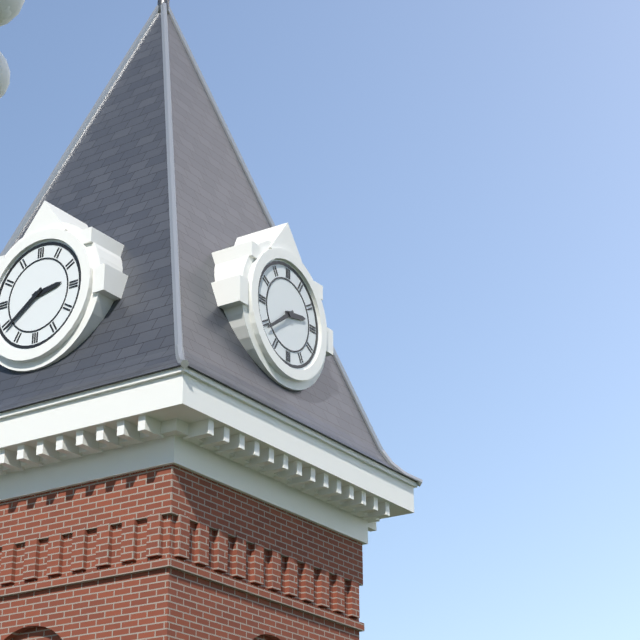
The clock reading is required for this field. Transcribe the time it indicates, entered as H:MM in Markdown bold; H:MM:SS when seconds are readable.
**2:39**
